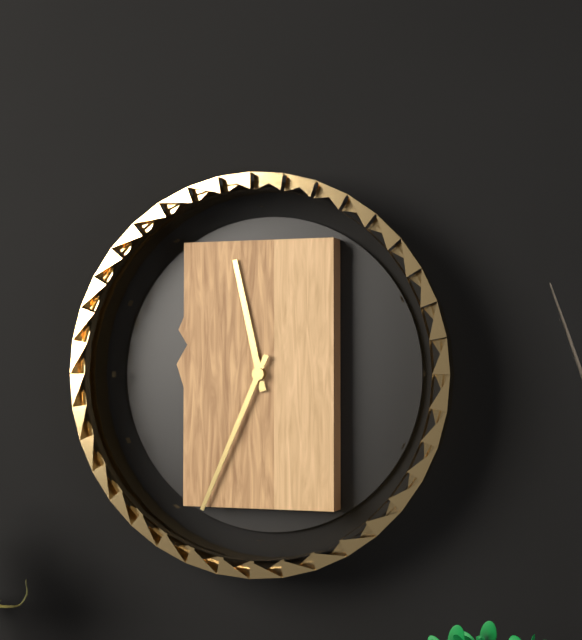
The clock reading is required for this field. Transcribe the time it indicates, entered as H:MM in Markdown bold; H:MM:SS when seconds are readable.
**11:34**
